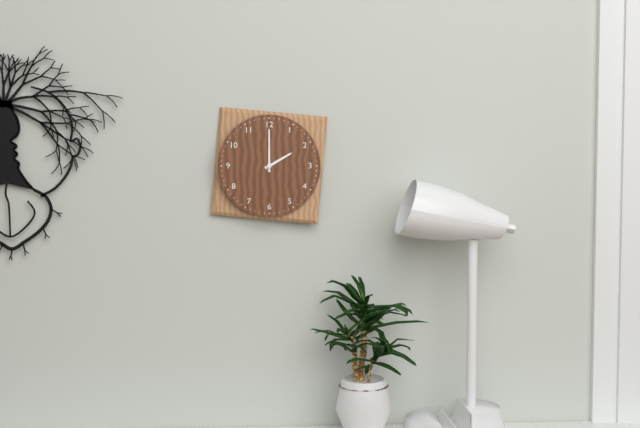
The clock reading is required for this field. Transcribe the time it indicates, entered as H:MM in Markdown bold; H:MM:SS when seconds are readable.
**2:00**
